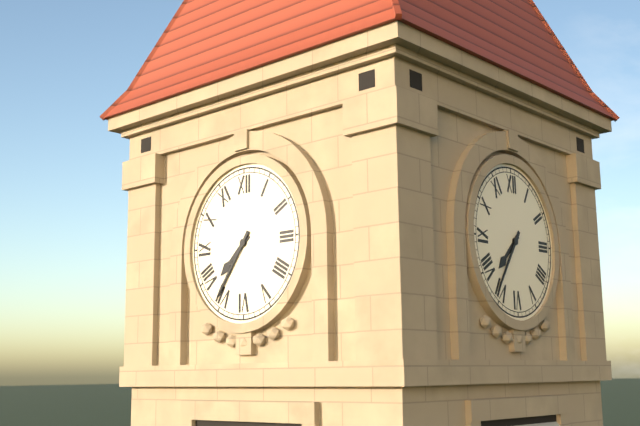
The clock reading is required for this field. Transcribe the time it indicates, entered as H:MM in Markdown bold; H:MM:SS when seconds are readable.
**7:36**
